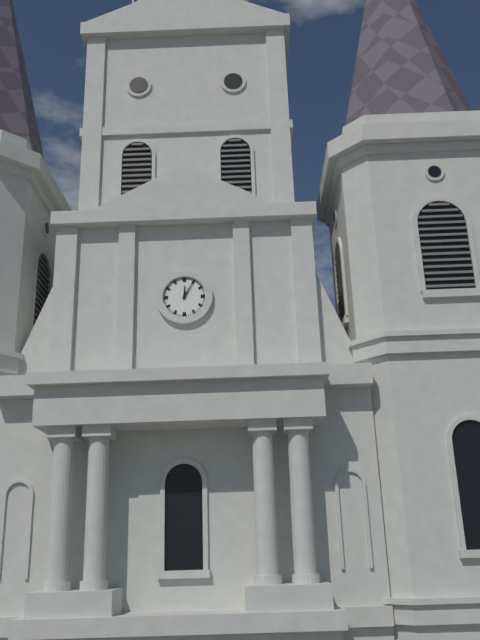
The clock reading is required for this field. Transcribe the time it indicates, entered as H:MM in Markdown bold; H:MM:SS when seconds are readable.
**12:05**
